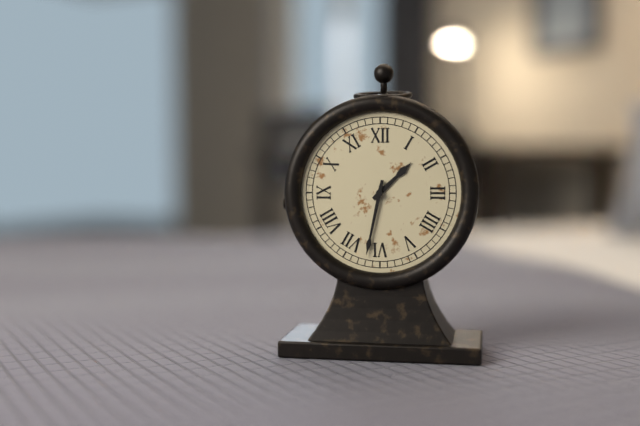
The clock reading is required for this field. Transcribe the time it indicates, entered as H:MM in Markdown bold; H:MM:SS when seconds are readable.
**1:32**
